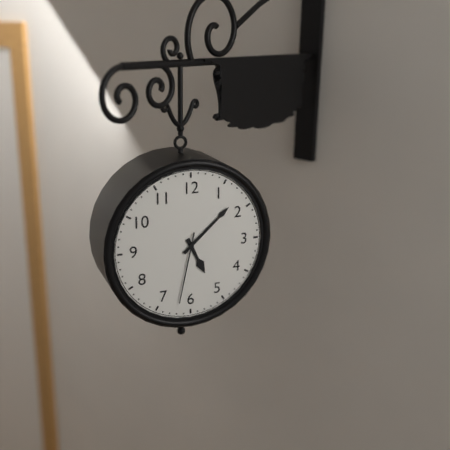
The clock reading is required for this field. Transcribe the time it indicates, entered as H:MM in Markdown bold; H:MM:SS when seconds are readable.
**5:08:32**
